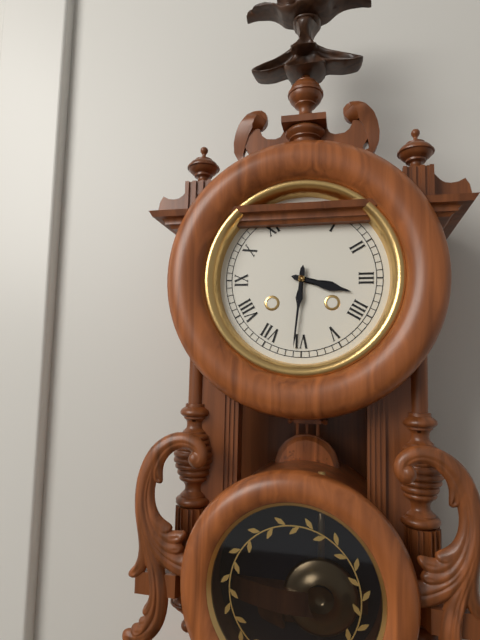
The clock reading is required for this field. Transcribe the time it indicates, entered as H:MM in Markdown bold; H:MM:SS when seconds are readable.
**3:31**
